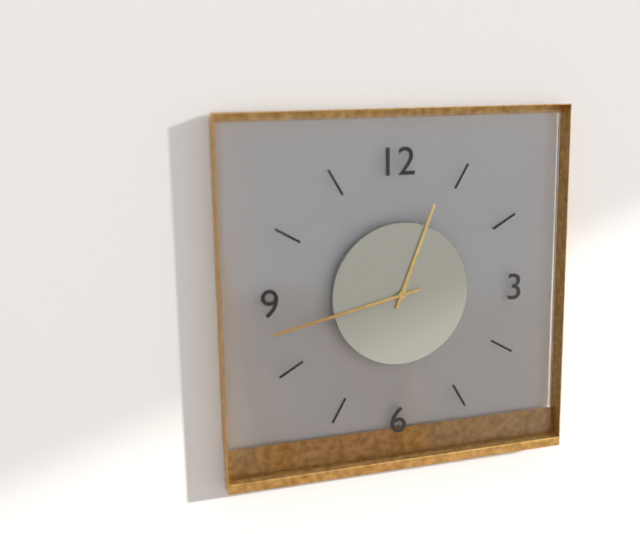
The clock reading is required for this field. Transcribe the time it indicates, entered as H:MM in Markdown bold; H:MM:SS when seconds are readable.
**12:43**
